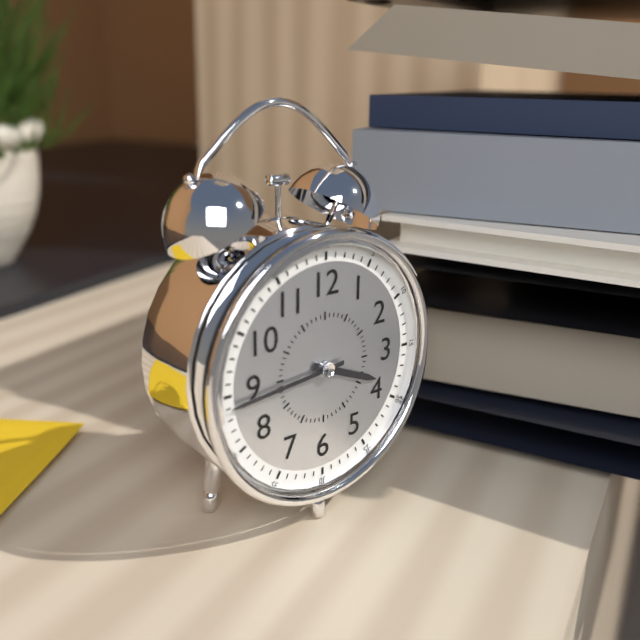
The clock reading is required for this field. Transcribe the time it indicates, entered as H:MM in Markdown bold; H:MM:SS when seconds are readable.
**3:44**
